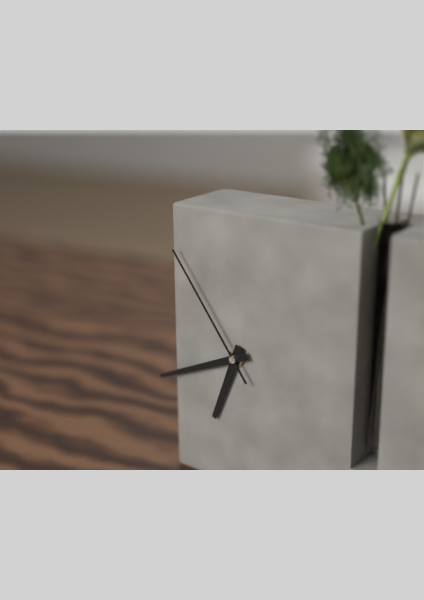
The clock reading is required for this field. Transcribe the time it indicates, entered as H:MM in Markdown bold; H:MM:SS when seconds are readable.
**6:41:54**
